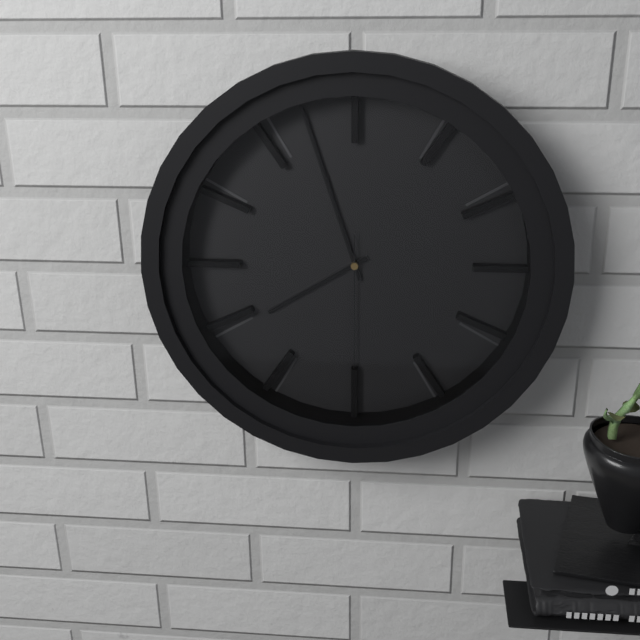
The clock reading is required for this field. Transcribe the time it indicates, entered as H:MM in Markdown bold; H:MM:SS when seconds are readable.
**7:57:30**
